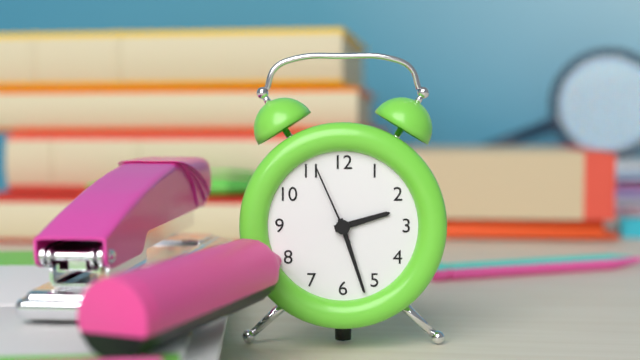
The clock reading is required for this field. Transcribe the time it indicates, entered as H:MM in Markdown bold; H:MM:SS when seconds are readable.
**2:27:56**
